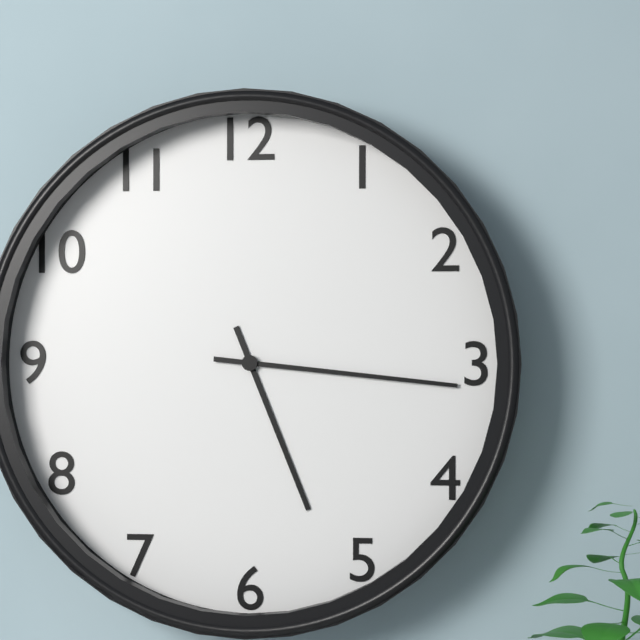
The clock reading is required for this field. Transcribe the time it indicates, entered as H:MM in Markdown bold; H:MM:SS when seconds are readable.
**5:16**
